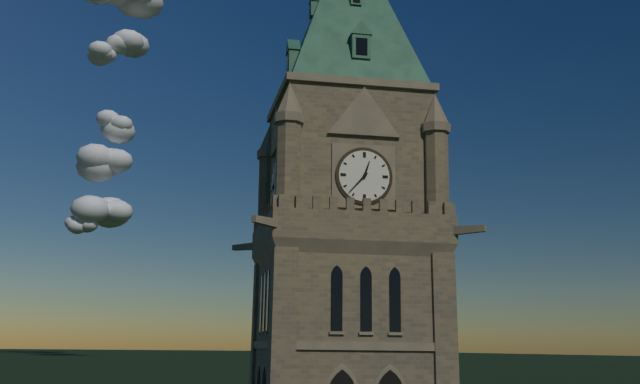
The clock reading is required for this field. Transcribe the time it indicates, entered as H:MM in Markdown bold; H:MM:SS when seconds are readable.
**12:37**
